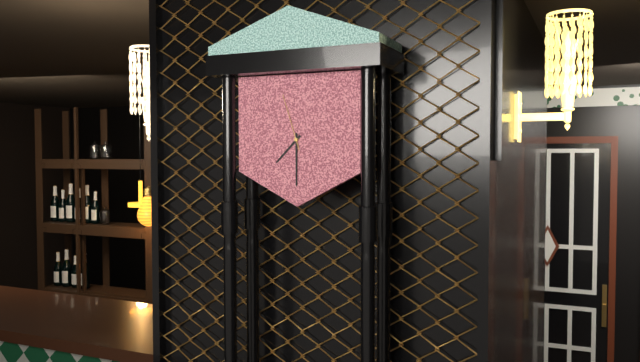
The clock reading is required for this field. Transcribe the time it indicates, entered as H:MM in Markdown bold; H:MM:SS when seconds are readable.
**7:30:57**
